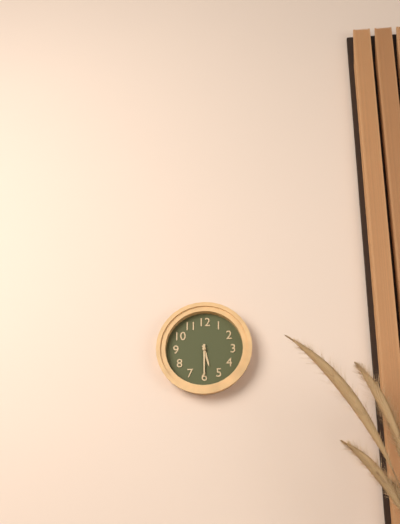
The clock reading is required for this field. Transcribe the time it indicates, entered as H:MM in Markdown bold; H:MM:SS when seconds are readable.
**5:30**
